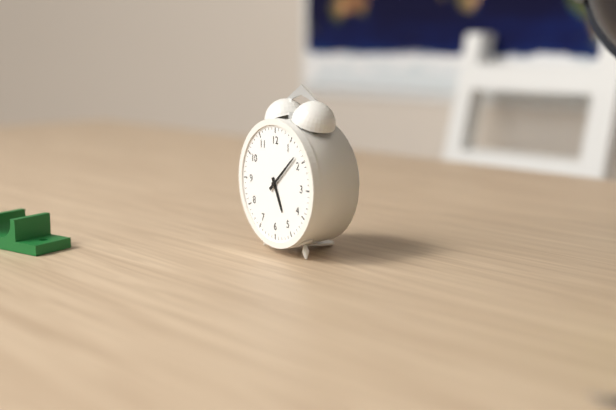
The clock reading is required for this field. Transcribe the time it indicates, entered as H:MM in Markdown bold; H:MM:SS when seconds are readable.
**5:08**
